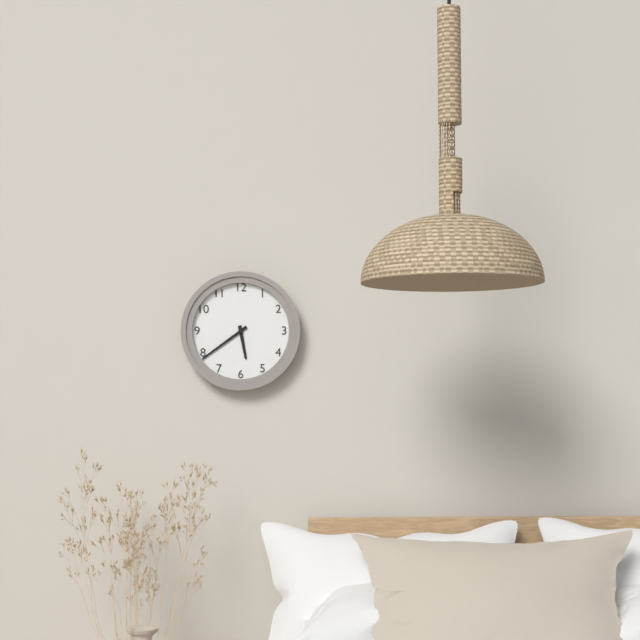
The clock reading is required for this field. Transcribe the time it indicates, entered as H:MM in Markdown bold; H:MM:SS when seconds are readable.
**5:39**
